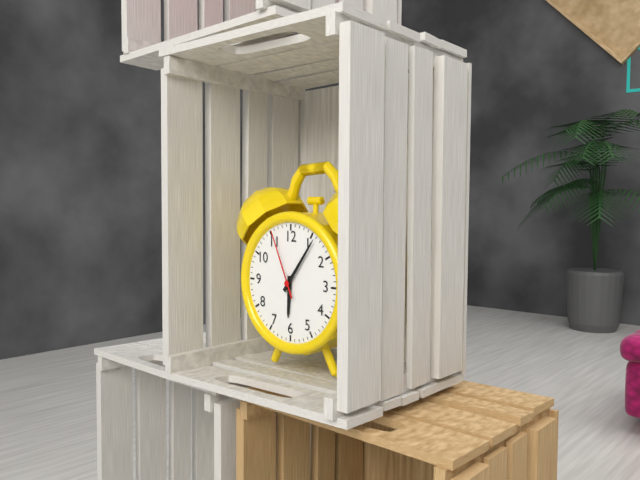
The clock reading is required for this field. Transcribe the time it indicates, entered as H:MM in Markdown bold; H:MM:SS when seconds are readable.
**6:06:56**
